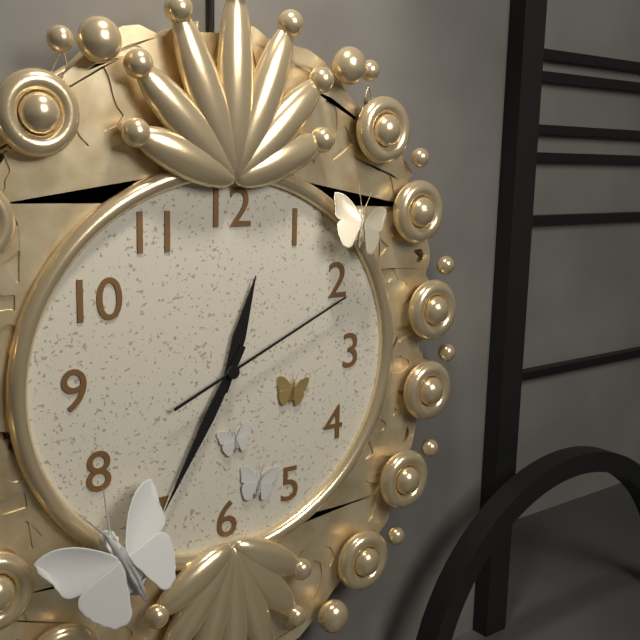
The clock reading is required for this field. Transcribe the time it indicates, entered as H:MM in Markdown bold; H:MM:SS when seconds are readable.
**12:35:11**
